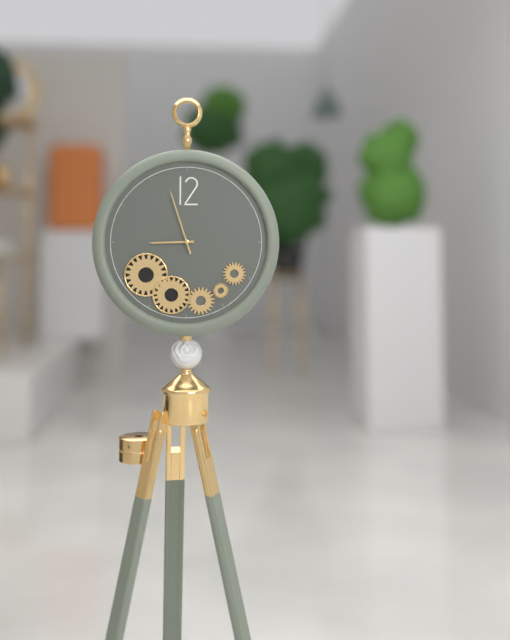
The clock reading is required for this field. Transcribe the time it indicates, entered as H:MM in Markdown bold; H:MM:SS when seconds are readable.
**8:57**
